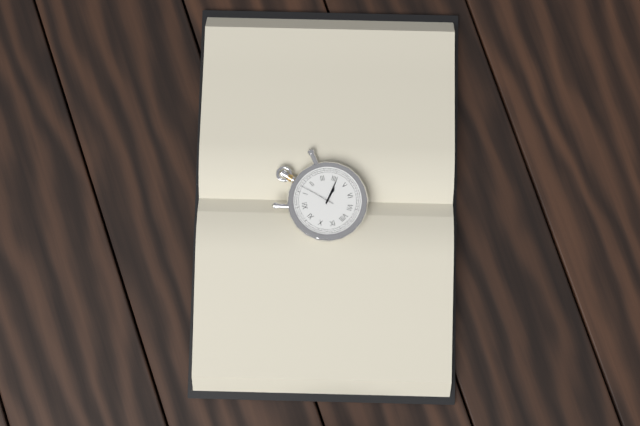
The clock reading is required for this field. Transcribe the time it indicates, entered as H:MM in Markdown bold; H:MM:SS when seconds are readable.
**4:21**
